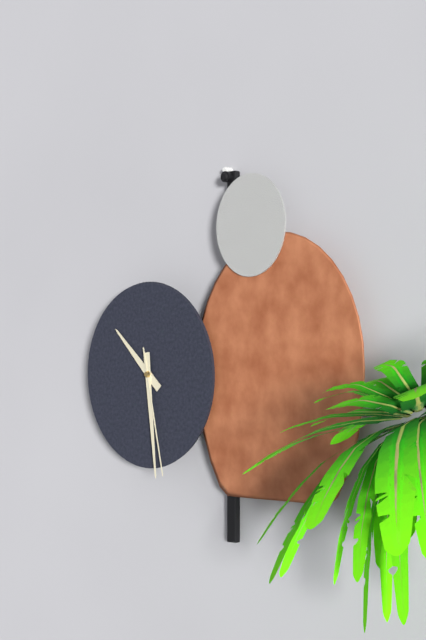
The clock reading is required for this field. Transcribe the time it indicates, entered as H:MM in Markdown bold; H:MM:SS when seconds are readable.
**10:29:28**
